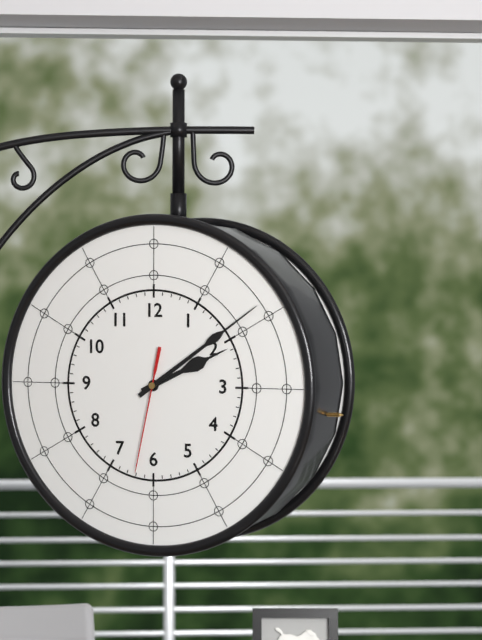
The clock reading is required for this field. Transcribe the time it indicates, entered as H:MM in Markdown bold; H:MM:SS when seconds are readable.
**2:09:32**
